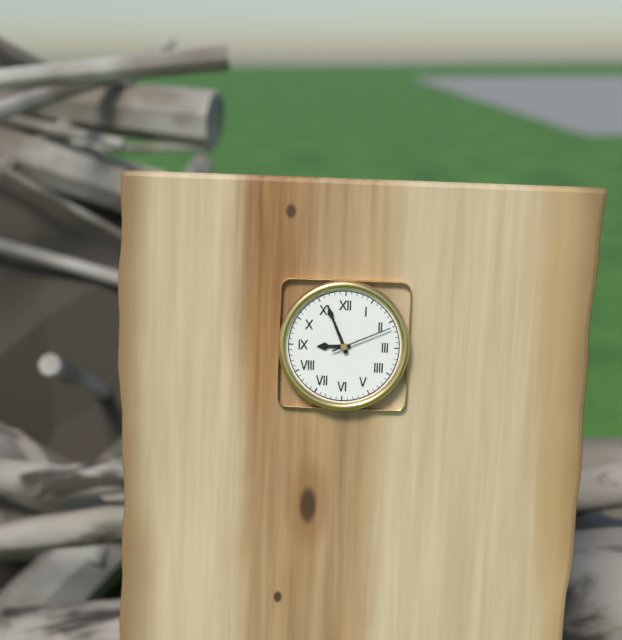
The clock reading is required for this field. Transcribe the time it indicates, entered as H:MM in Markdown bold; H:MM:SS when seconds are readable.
**8:56:11**
